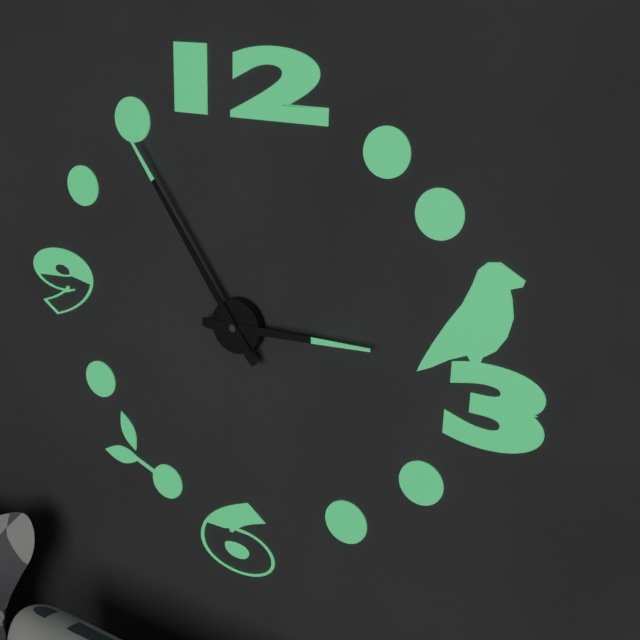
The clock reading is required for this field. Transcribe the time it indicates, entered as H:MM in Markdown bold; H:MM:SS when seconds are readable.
**2:54**
